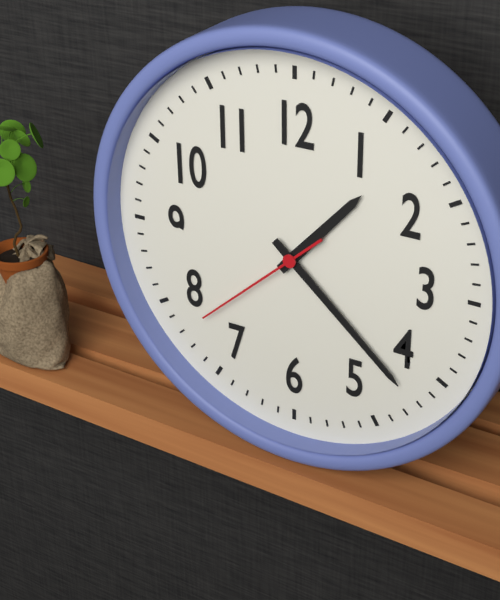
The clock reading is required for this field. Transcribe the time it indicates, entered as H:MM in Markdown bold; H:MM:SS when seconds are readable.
**1:22:38**
